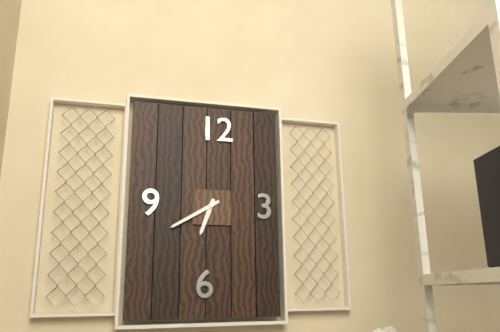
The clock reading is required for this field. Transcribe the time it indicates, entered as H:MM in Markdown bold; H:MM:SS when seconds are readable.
**6:40**
